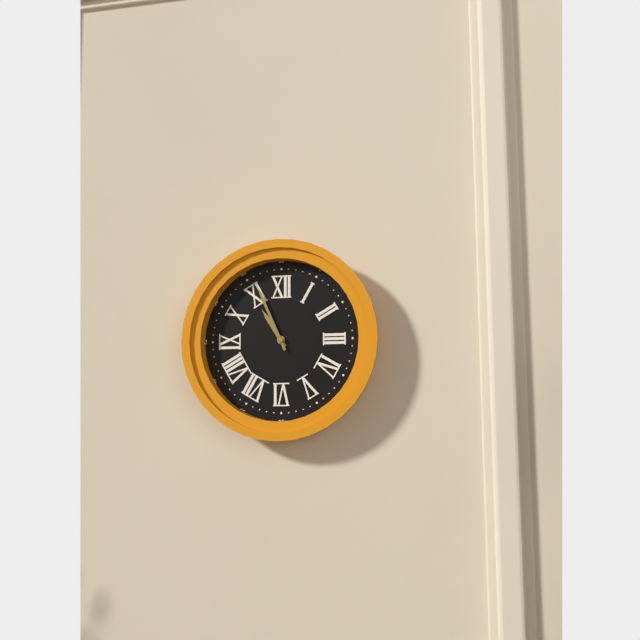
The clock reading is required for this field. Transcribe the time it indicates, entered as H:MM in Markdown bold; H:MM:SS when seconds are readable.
**10:56**
